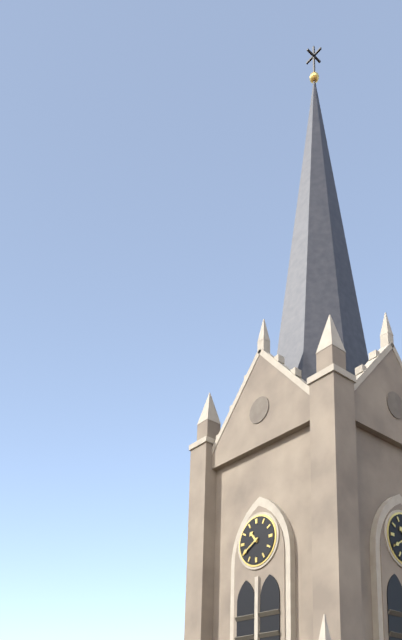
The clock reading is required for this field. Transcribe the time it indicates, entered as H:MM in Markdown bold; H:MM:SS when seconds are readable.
**10:40**
